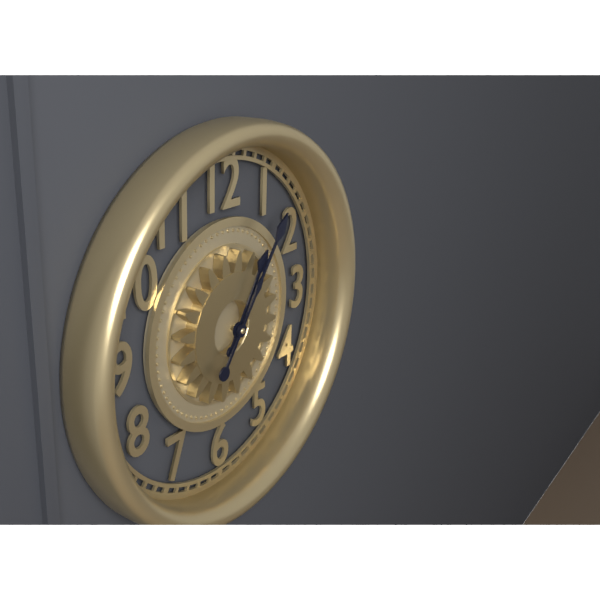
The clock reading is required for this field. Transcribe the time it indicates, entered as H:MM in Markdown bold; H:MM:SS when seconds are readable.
**1:06**
